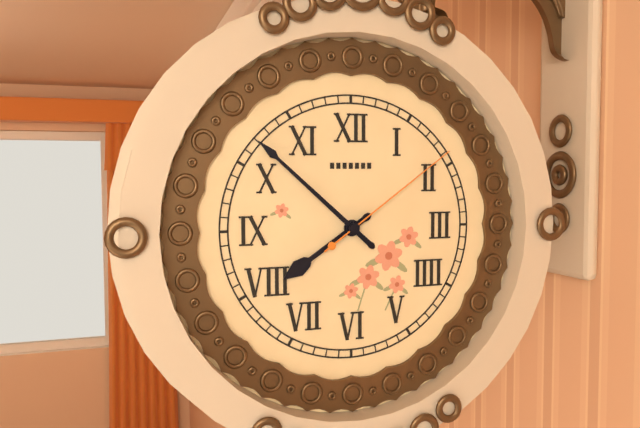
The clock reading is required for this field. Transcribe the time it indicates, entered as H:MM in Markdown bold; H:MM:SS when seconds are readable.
**7:52:09**
